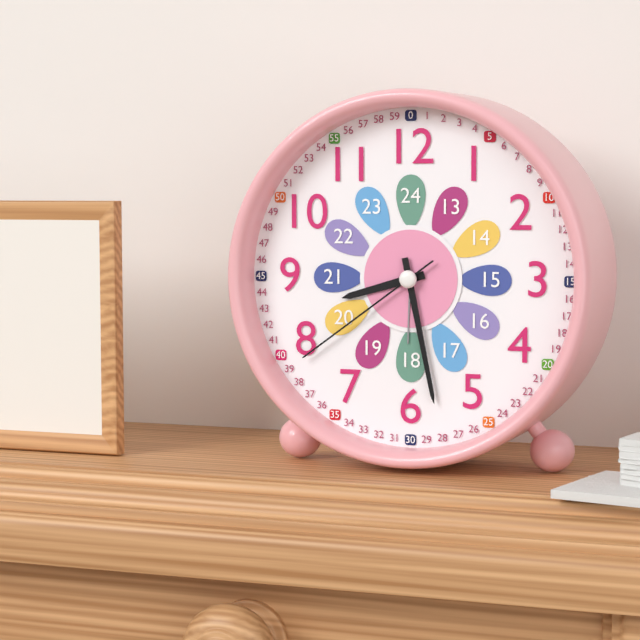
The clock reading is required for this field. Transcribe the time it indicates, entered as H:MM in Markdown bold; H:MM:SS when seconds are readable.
**8:28:39**
